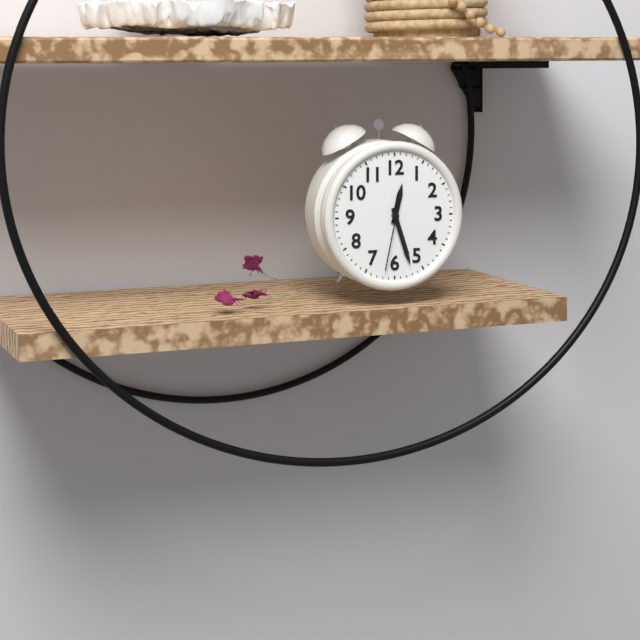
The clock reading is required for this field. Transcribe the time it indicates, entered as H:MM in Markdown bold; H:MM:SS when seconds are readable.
**12:27:32**
